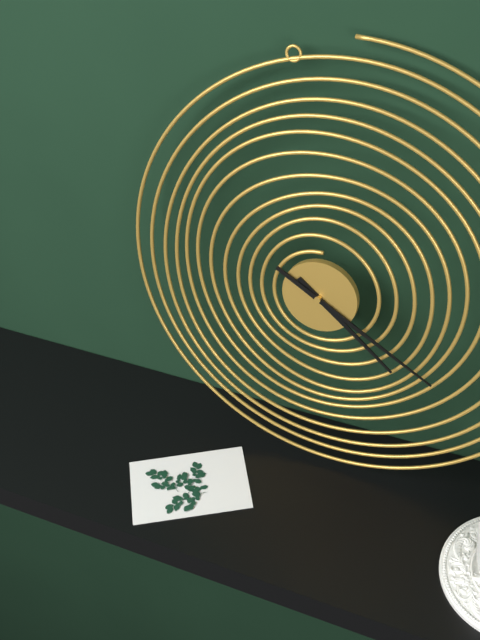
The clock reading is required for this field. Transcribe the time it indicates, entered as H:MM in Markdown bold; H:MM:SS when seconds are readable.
**4:20**
